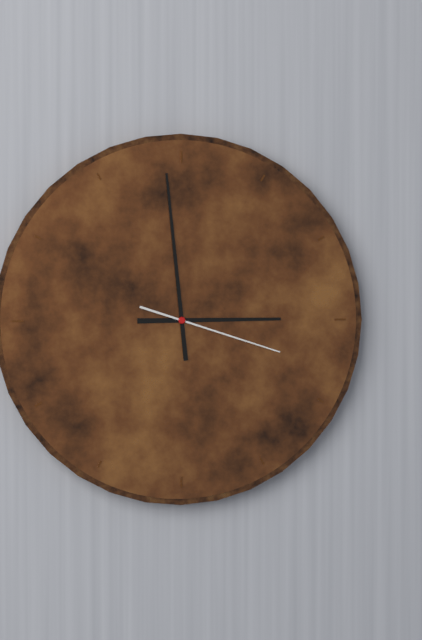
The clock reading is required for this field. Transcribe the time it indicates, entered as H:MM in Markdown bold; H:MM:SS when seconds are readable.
**2:59:18**
